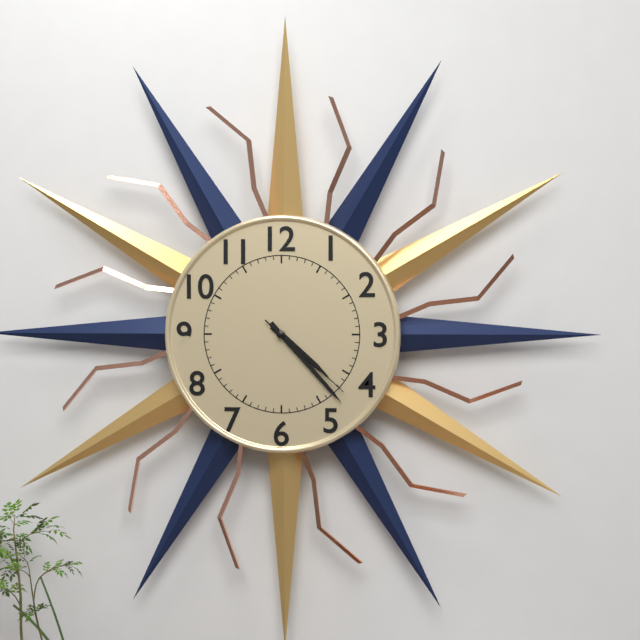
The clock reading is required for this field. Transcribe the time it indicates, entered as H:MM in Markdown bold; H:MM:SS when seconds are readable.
**4:23:22**
